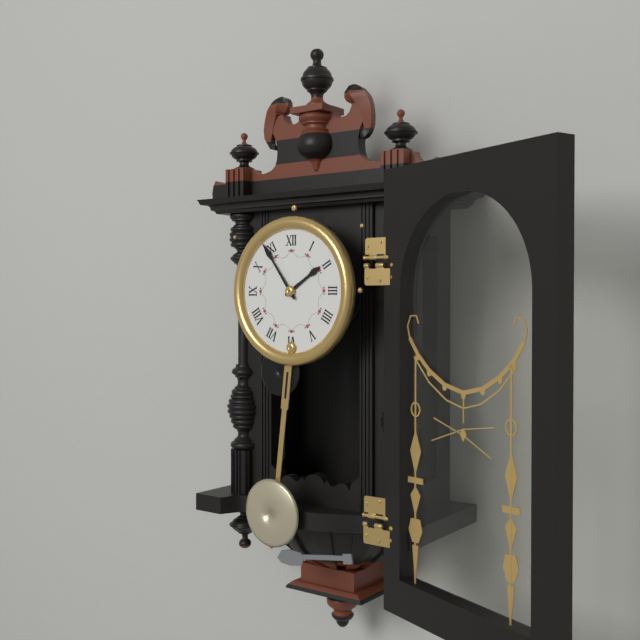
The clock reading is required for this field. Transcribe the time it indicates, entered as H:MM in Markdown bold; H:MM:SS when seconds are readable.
**1:54**
